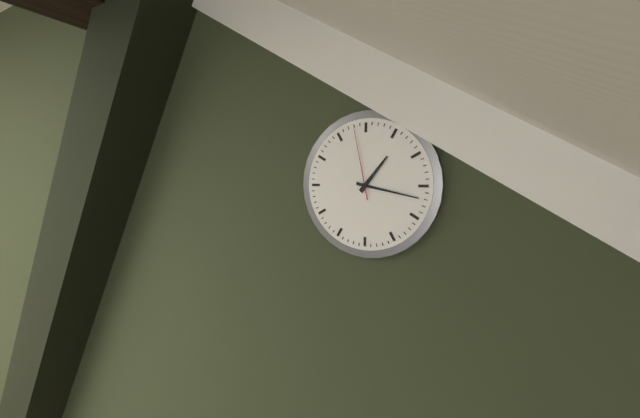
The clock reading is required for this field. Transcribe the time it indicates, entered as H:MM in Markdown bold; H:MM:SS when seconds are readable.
**1:17:58**
